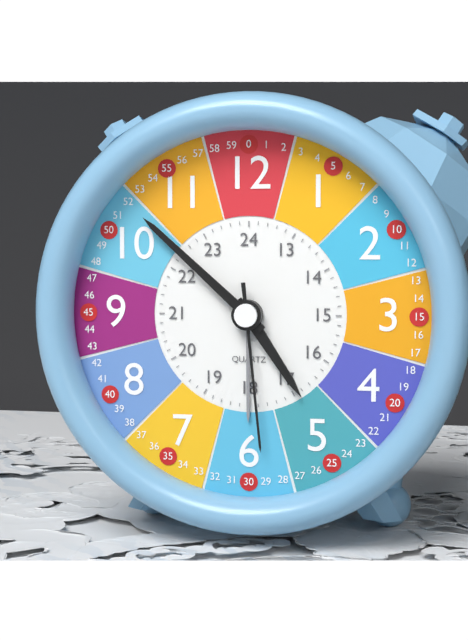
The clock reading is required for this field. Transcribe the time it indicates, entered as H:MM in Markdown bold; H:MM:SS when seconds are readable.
**4:52:29**
